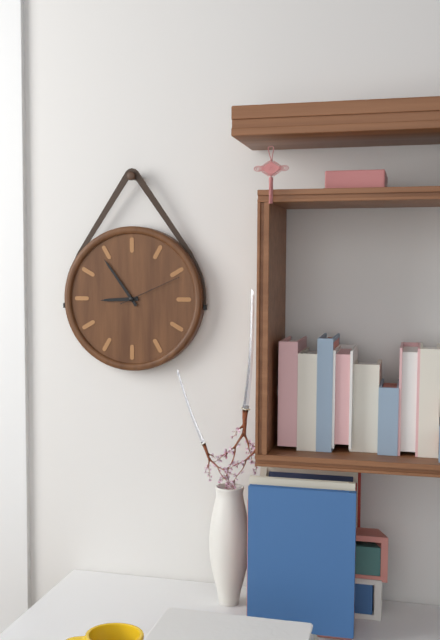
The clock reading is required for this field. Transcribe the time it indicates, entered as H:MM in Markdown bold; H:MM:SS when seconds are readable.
**8:54:11**
